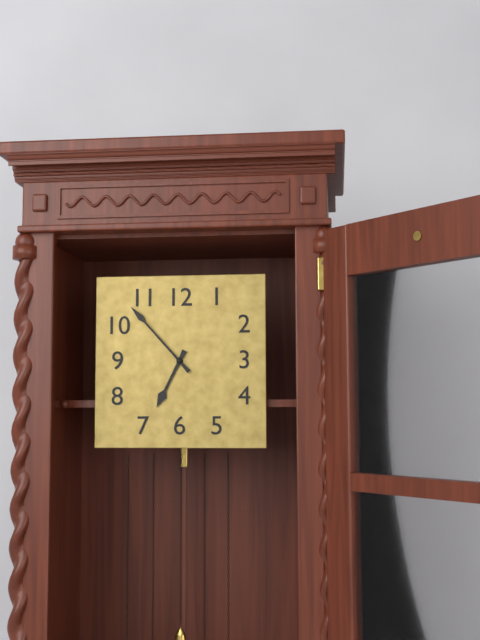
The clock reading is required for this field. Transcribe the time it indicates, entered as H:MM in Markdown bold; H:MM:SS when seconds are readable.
**6:53**
